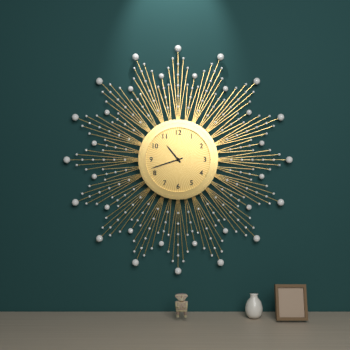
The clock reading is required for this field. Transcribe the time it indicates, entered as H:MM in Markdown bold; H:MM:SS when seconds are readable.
**10:42**
